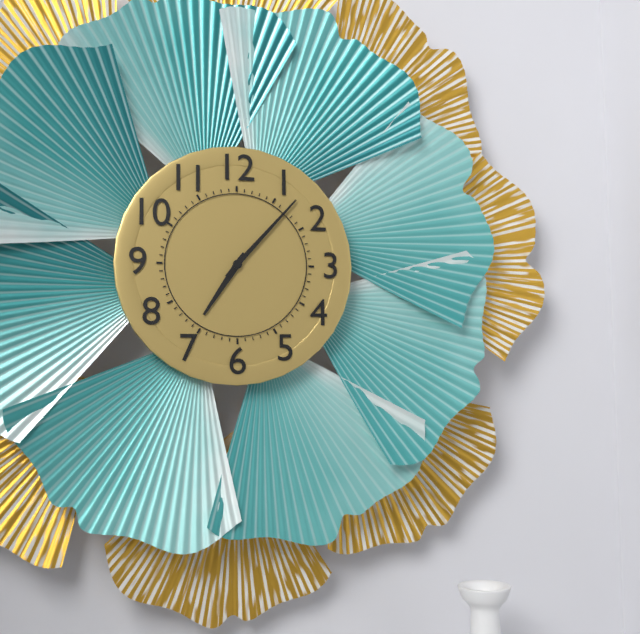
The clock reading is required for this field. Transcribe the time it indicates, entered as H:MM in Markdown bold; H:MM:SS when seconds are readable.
**7:07**
